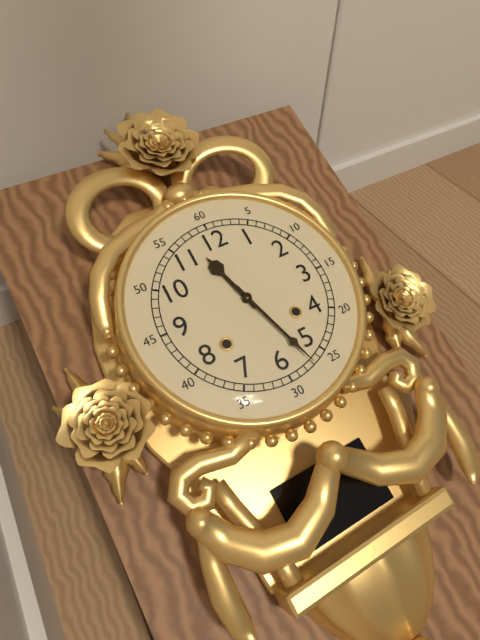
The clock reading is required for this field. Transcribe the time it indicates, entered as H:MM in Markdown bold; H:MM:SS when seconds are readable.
**11:27**
